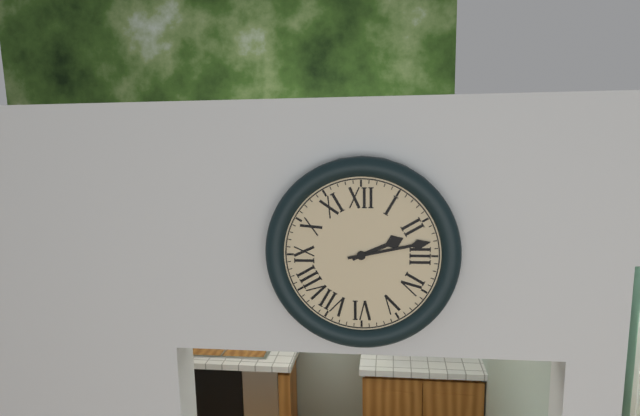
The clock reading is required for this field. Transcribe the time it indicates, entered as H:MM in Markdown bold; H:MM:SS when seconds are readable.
**2:13**
